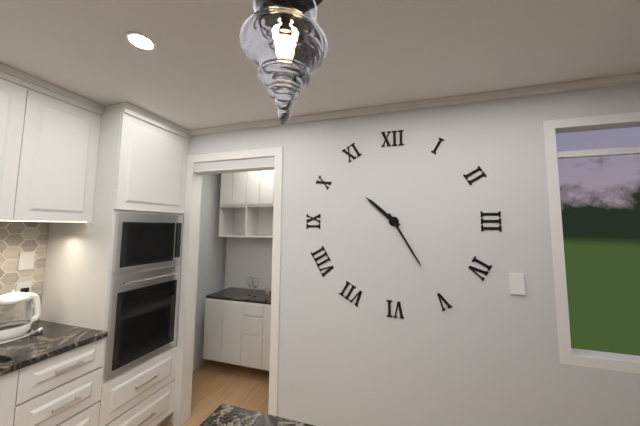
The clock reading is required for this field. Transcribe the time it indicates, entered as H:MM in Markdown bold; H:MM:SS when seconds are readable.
**10:25**
